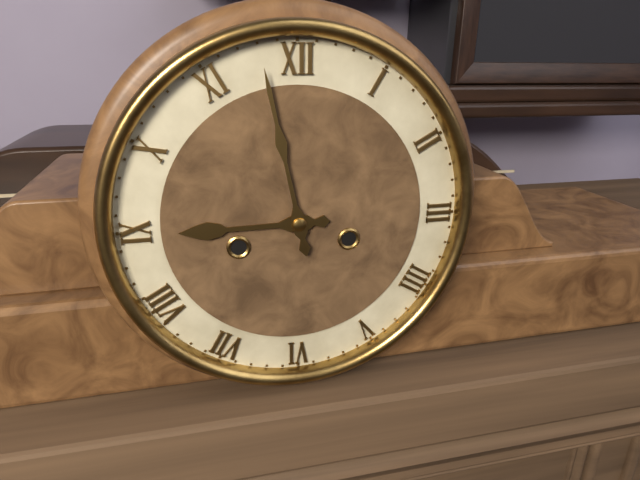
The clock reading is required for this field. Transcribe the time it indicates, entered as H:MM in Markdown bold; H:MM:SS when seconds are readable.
**8:58**
